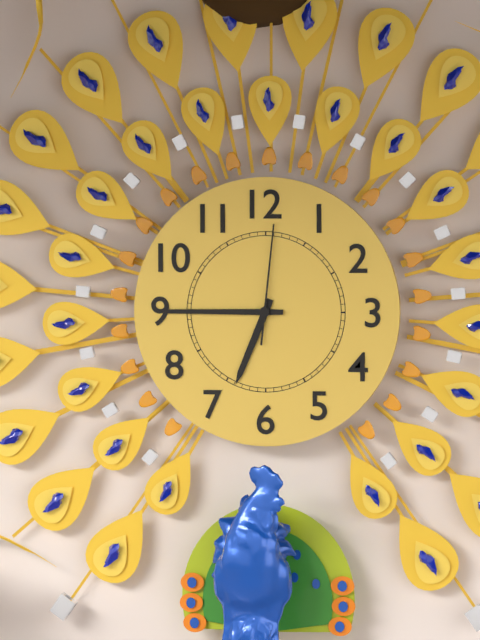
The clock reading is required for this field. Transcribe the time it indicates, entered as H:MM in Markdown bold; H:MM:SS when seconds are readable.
**6:45:01**
